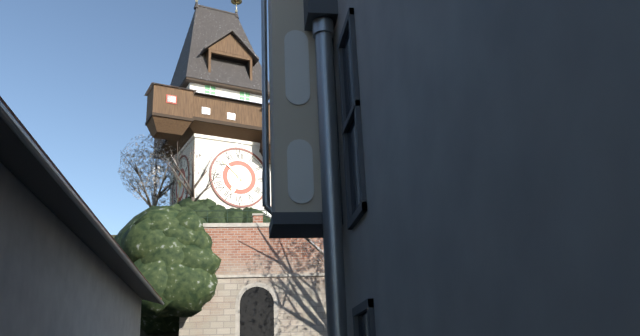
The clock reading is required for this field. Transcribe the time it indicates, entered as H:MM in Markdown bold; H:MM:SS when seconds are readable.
**6:52**
